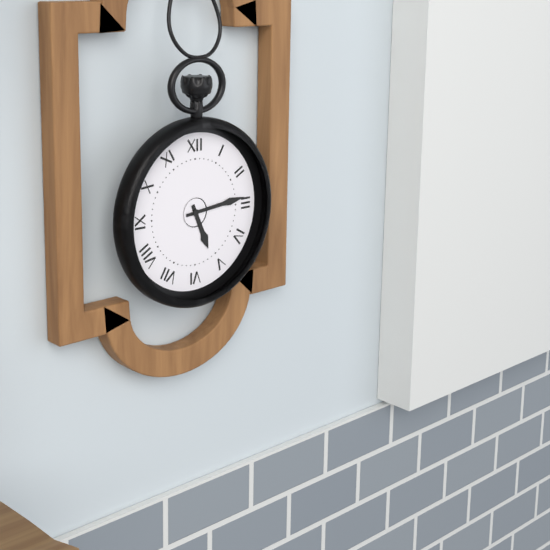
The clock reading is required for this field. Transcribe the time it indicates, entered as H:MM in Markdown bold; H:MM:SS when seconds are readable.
**5:14**
